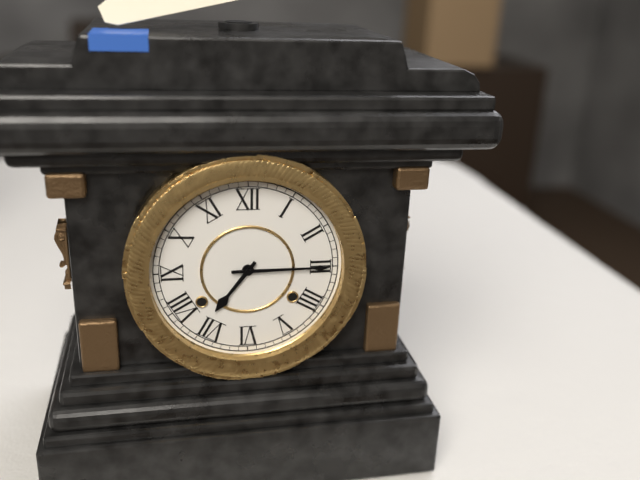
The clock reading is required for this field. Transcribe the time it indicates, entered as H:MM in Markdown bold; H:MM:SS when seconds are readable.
**7:15**
